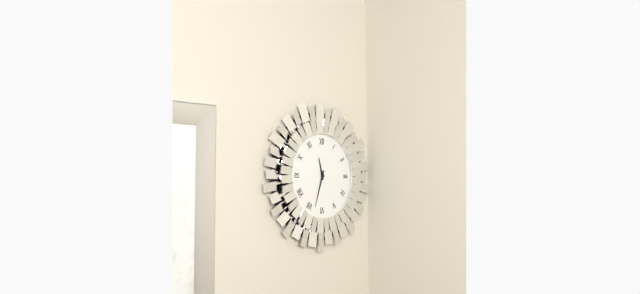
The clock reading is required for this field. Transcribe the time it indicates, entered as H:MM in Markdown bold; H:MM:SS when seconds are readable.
**11:33**
